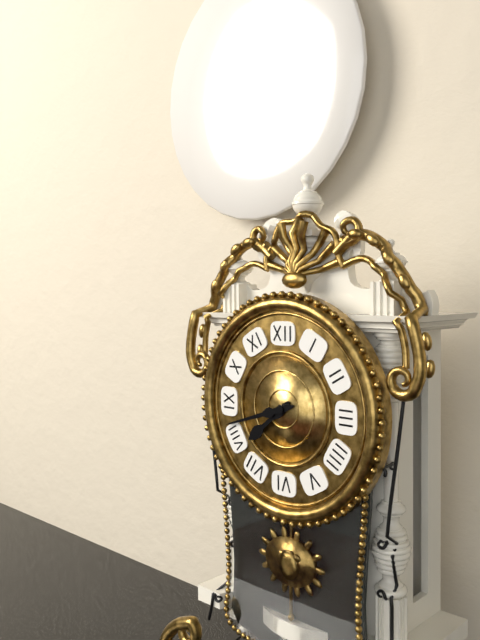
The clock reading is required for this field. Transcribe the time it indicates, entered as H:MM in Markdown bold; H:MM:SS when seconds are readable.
**7:42**
